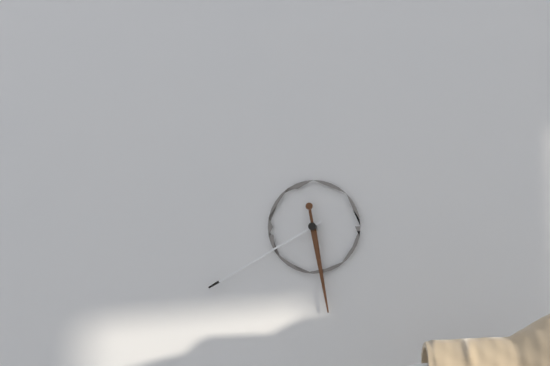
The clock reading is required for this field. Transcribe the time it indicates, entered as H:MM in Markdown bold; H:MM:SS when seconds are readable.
**5:40**
